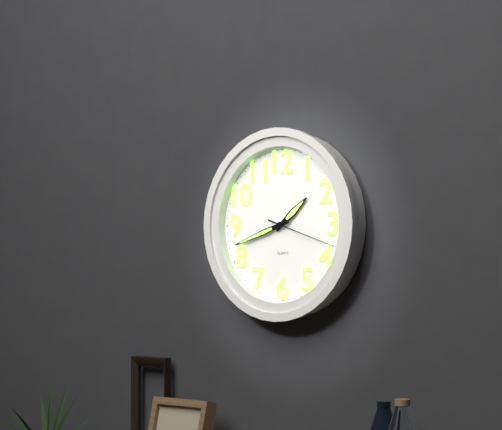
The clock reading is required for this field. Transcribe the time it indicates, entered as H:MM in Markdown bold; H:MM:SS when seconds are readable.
**1:42:18**
